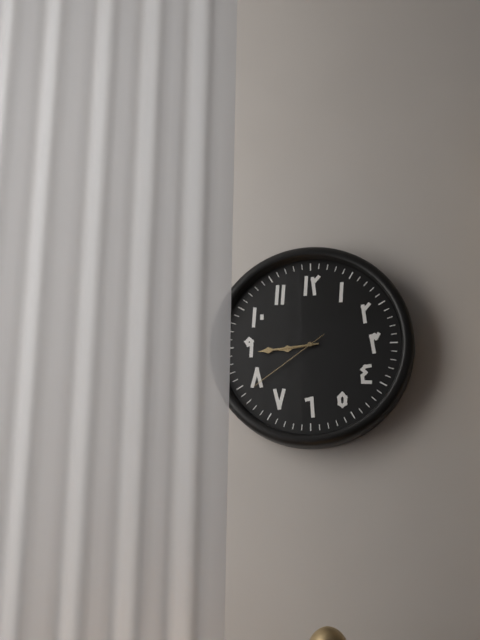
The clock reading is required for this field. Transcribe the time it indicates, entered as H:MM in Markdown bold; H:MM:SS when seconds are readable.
**8:44:39**
